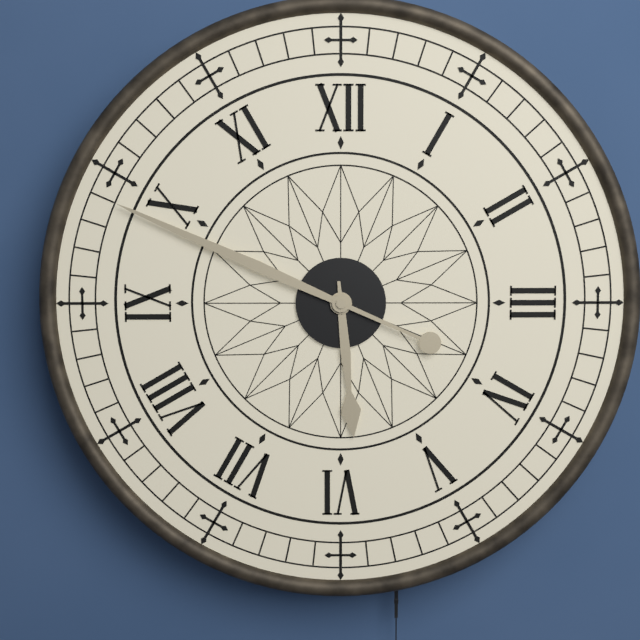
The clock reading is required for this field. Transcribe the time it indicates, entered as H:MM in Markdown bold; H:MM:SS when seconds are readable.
**5:49**
